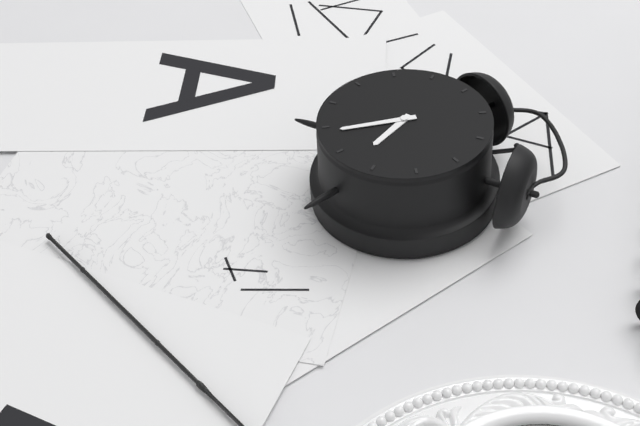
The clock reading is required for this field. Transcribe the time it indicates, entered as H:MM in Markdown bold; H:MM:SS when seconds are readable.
**4:29**
